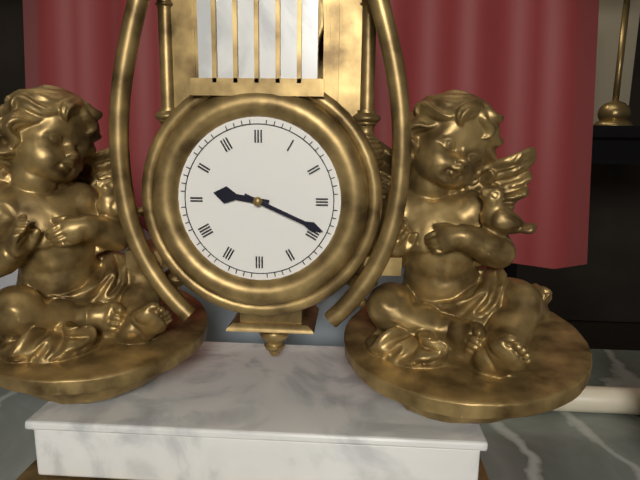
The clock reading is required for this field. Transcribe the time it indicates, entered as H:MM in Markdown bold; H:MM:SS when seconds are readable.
**9:19**
